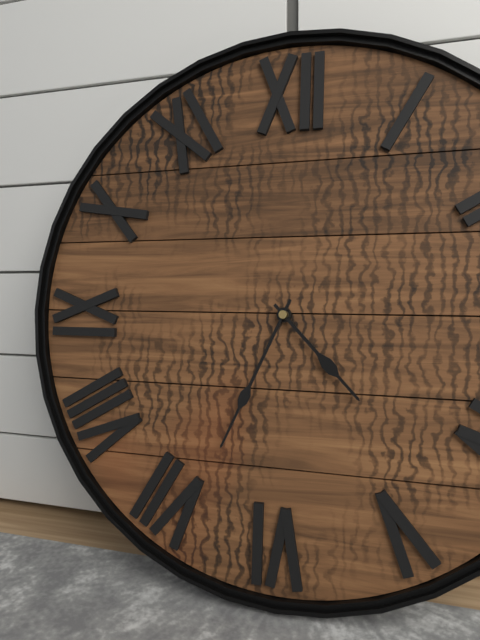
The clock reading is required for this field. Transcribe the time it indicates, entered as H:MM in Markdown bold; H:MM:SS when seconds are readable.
**4:34**
